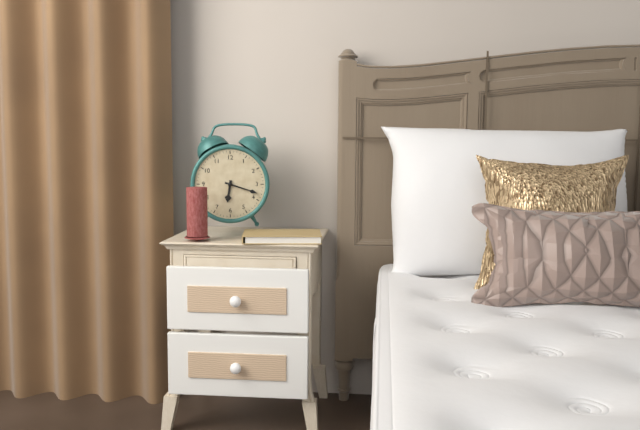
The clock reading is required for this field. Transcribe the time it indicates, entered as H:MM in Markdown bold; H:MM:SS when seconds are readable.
**6:18**
